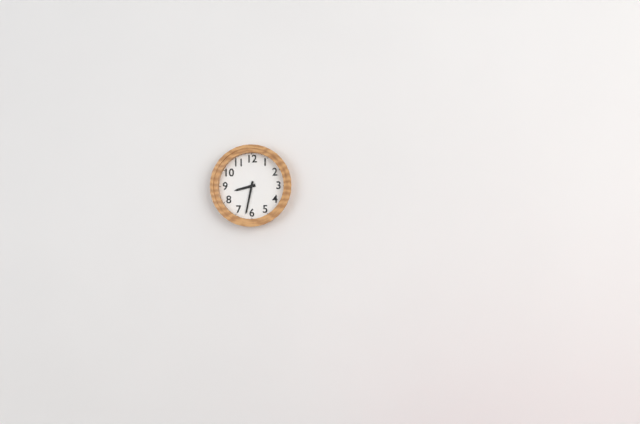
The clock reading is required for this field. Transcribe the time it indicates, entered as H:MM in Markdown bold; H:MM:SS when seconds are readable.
**8:32**
